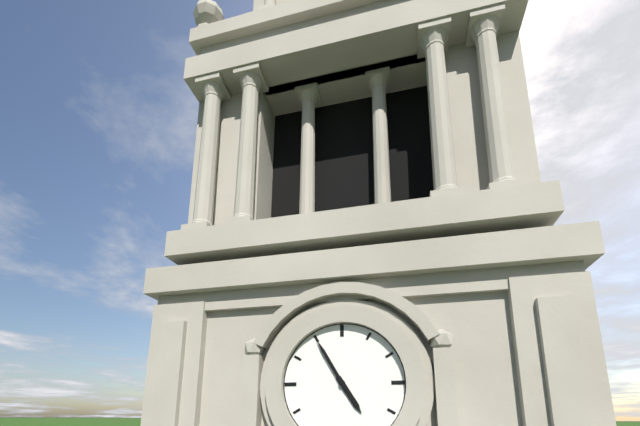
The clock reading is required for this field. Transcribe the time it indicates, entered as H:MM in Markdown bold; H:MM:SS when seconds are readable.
**4:55**
